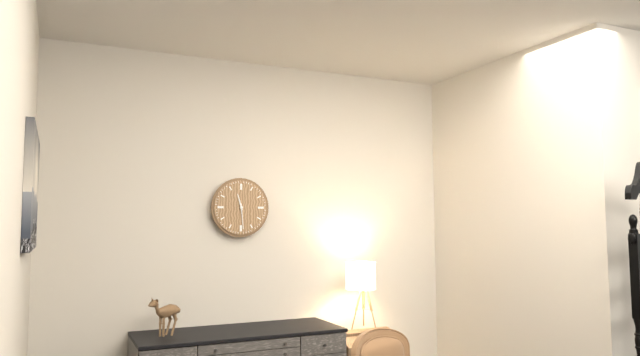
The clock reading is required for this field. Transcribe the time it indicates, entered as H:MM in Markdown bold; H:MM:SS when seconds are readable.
**11:29**
